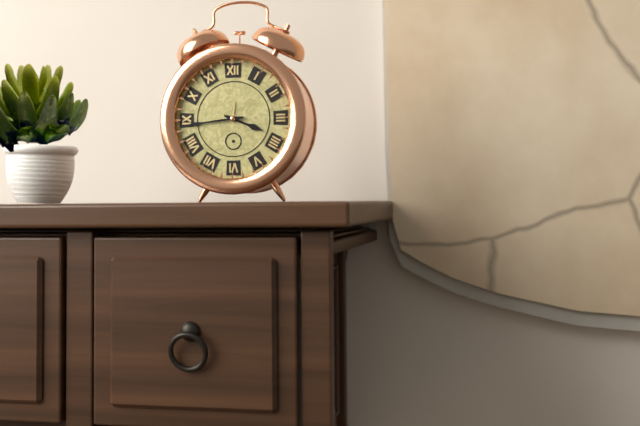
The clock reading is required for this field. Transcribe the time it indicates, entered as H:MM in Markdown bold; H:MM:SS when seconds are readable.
**3:44**
